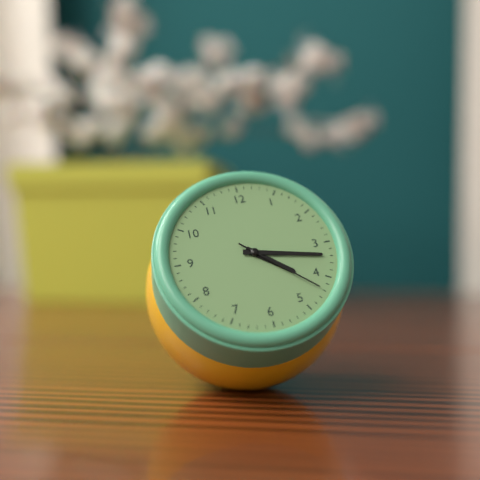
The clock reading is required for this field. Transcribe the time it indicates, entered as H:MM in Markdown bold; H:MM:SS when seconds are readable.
**4:17:22**
